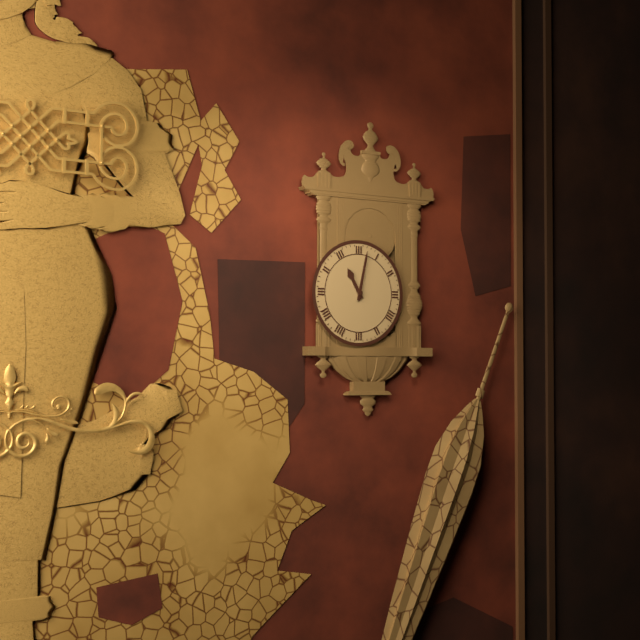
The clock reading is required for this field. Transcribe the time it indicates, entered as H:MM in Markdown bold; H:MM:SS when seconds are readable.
**11:02**
